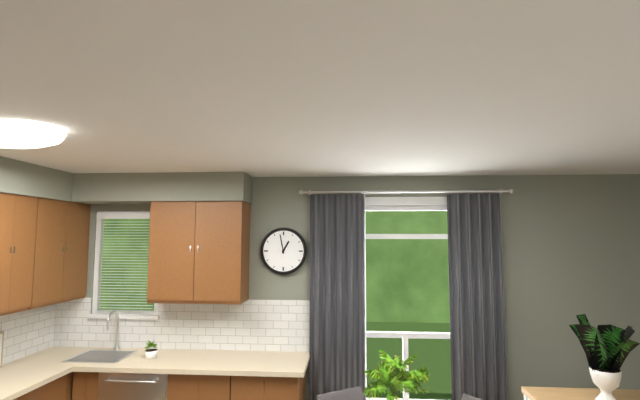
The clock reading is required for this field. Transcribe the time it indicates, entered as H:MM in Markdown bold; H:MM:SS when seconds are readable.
**12:58**
